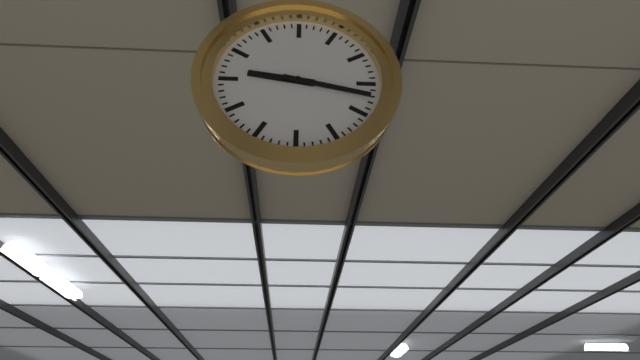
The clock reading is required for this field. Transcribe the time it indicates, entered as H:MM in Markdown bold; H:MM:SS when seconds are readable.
**9:17**
